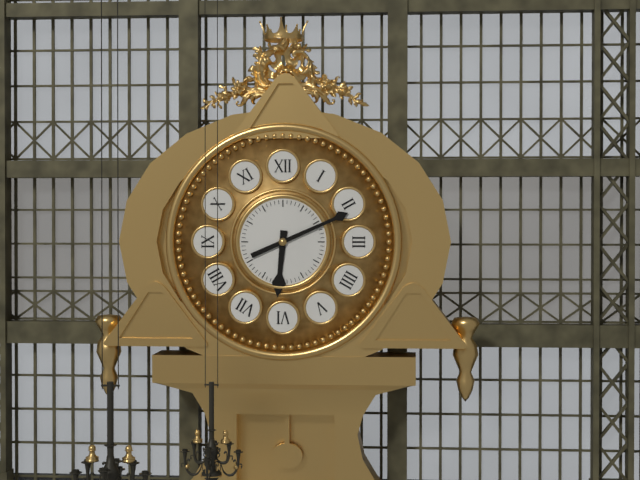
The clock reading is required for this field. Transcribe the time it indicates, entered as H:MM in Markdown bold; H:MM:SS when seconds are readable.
**6:11**
